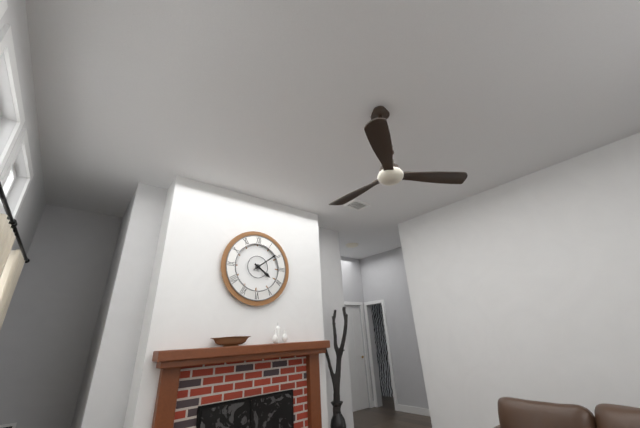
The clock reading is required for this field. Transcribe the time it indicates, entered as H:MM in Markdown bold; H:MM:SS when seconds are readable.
**4:09**
